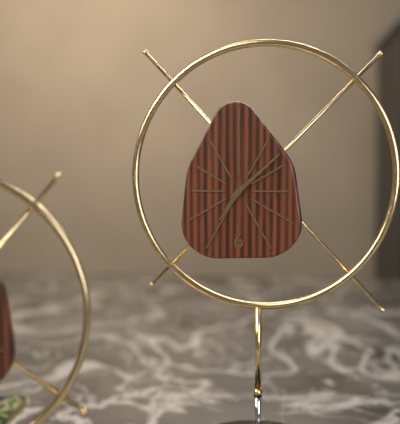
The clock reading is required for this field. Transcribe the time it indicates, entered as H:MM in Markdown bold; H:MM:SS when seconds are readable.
**7:08**
